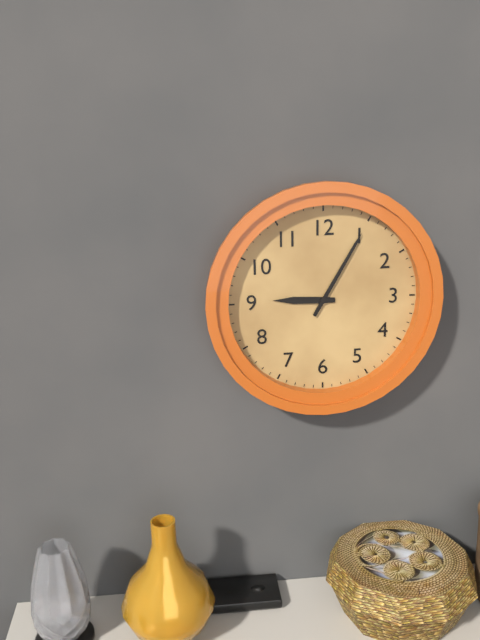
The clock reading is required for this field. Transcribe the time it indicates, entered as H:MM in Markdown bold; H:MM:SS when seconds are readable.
**9:05**
